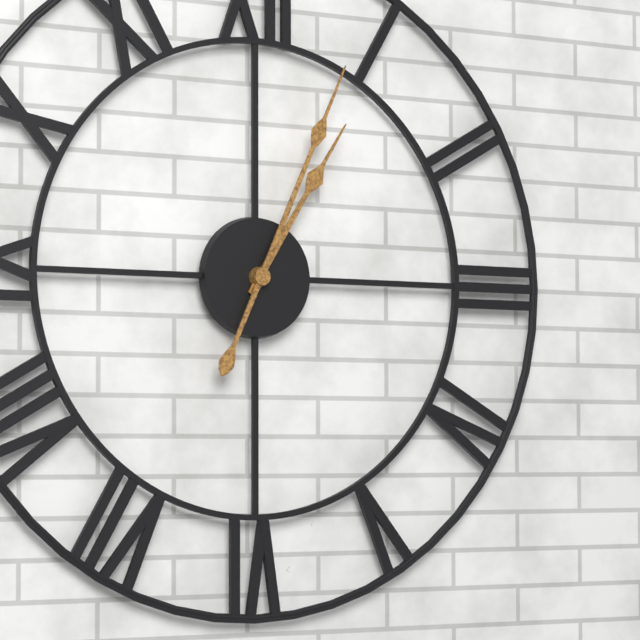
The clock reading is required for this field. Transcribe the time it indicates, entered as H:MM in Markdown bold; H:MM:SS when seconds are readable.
**1:04**
